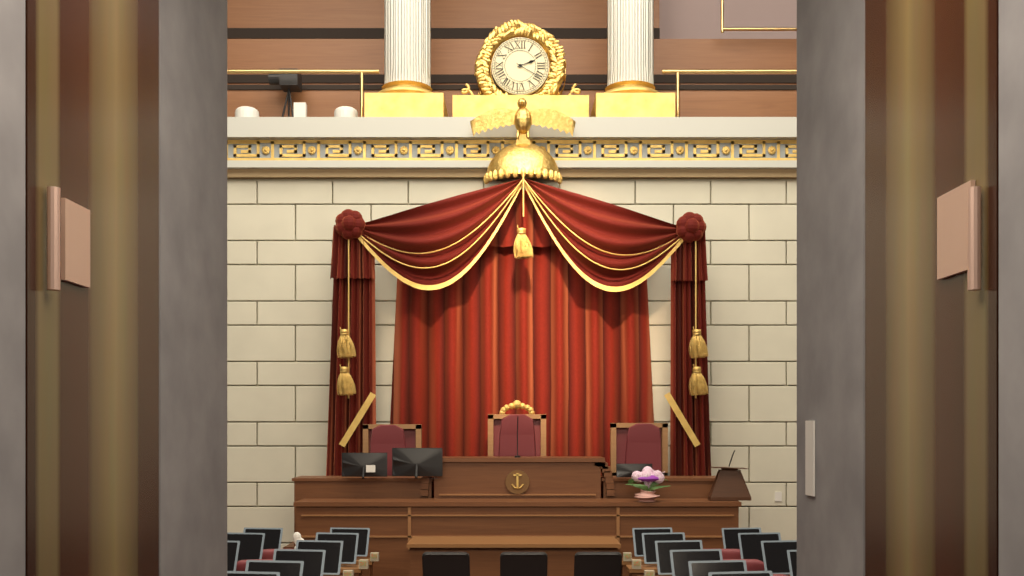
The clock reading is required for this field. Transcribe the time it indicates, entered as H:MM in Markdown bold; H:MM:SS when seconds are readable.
**2:20**
